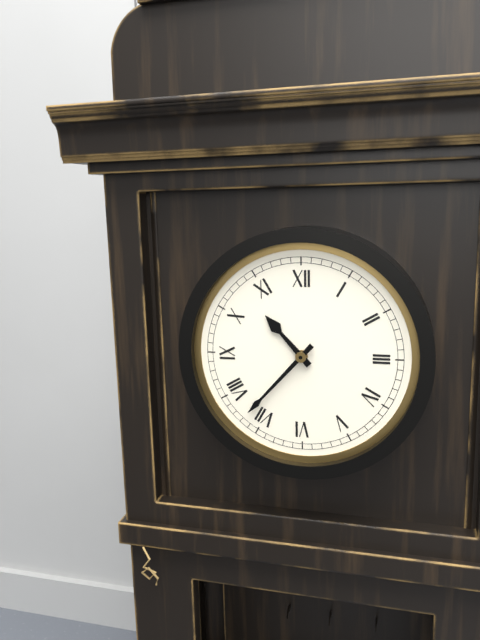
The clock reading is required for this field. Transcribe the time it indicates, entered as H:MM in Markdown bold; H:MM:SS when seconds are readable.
**10:37**
